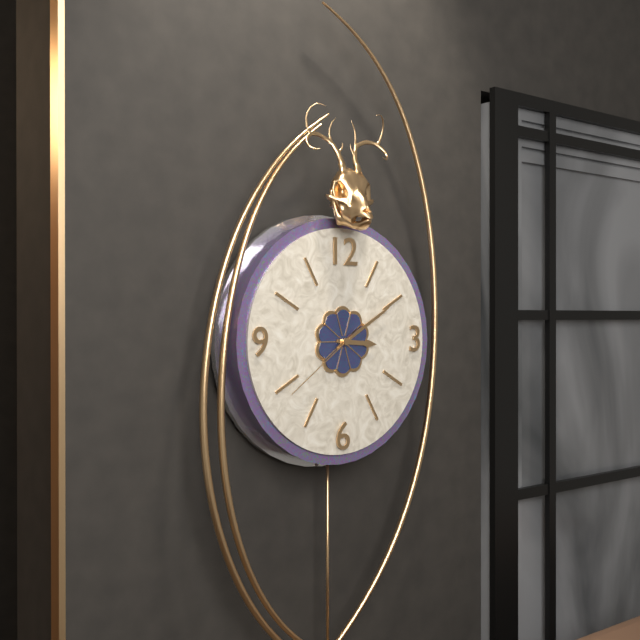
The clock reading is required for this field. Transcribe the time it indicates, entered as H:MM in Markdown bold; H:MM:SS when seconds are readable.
**3:10:39**
